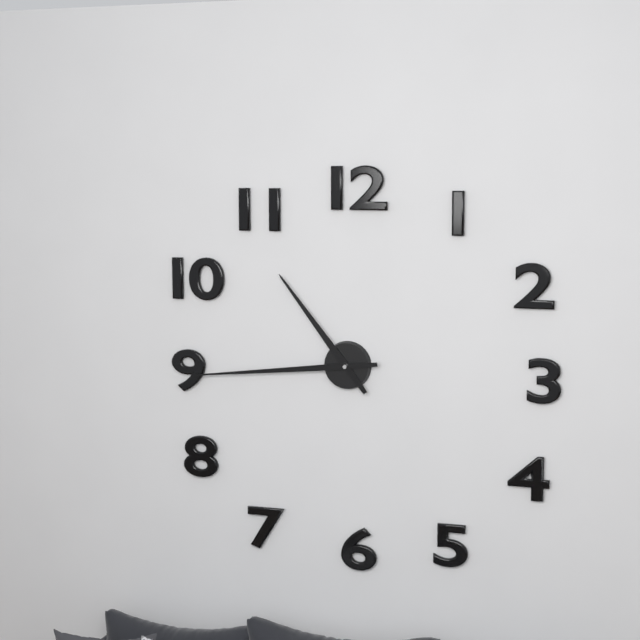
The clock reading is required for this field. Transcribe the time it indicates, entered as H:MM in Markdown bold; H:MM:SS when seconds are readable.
**10:44**
